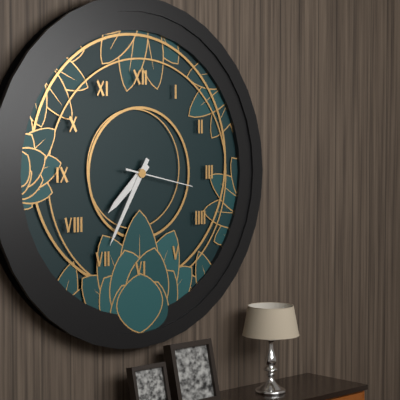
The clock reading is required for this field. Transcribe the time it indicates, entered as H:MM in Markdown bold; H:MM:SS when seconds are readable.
**7:35:17**
